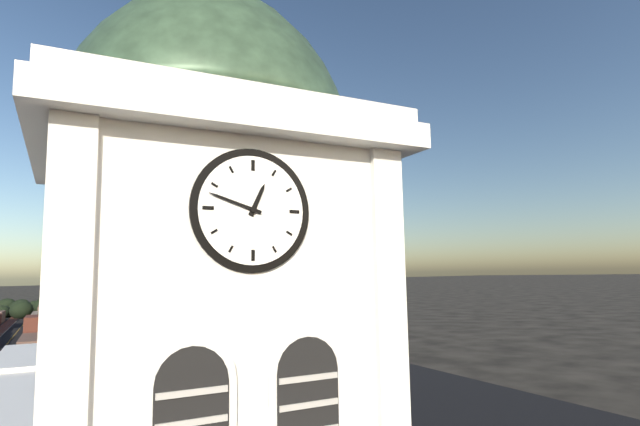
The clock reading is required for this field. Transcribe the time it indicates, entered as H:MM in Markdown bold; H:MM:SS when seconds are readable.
**12:48**
